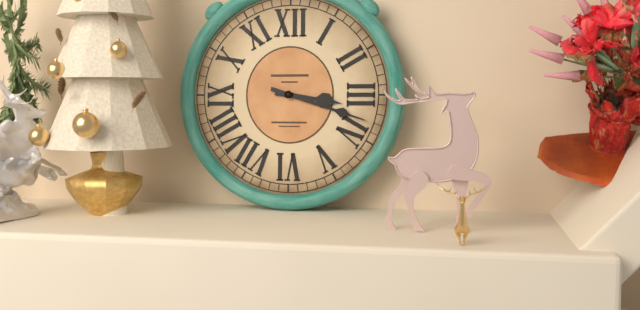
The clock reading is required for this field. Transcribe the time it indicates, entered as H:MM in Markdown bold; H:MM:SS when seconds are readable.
**3:18**
